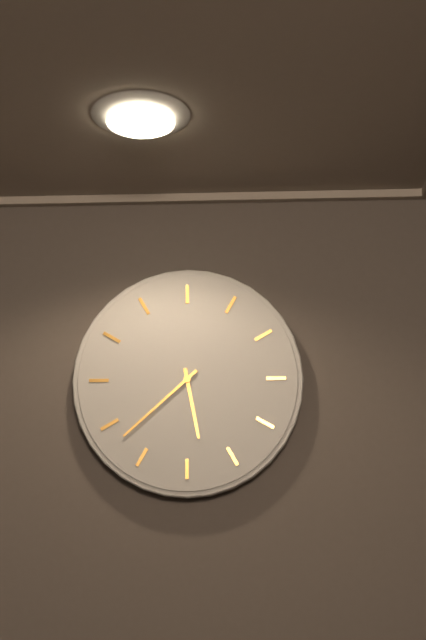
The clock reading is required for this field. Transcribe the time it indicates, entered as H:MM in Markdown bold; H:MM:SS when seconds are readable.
**5:38**
